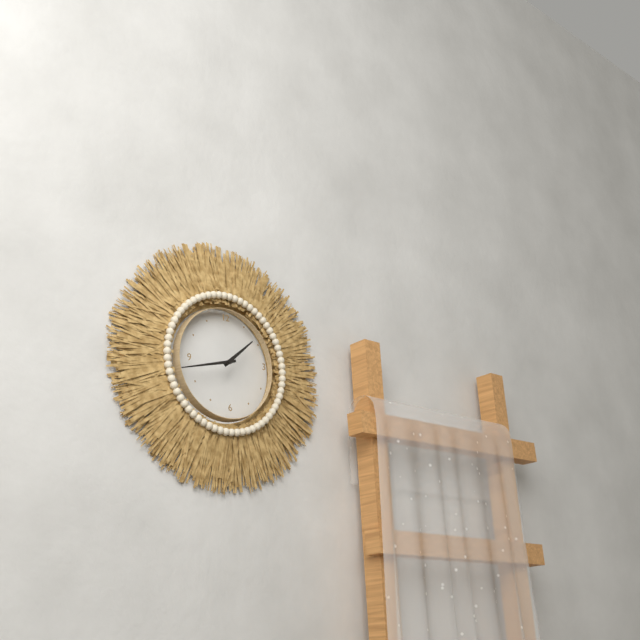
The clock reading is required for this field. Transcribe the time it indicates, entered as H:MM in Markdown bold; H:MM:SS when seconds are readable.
**1:43**
